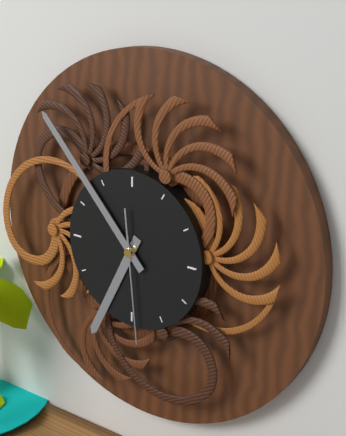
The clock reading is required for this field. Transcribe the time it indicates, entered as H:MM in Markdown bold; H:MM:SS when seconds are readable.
**6:53:29**
